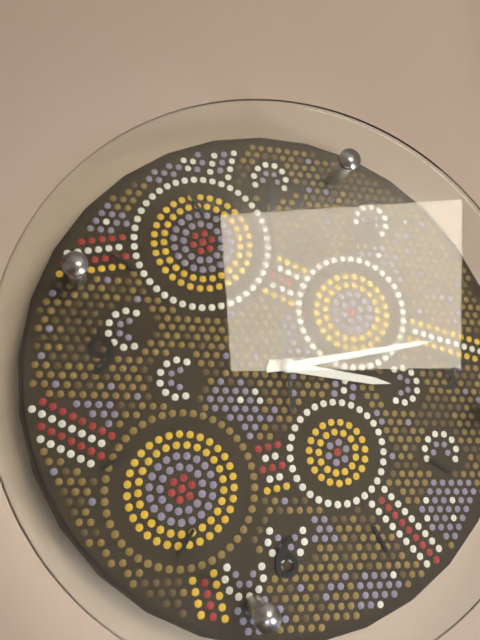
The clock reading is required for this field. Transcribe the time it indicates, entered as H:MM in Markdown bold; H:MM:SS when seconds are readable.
**3:13:59**
